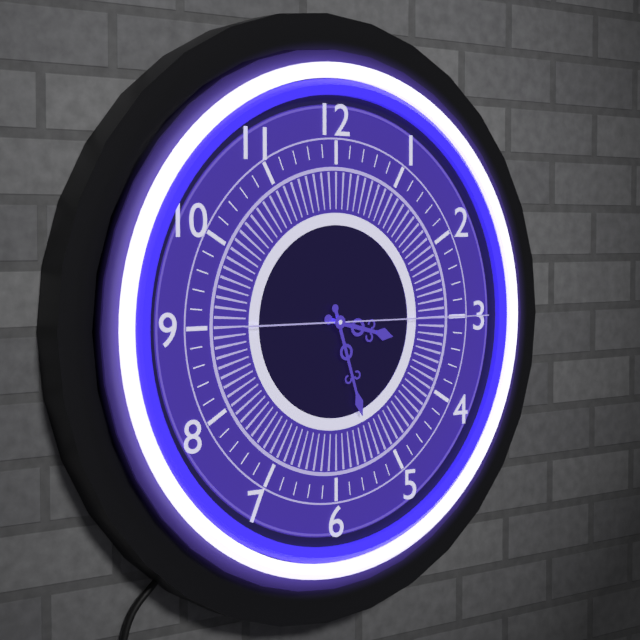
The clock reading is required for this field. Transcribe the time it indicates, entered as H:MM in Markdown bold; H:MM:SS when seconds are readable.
**3:27:15**
